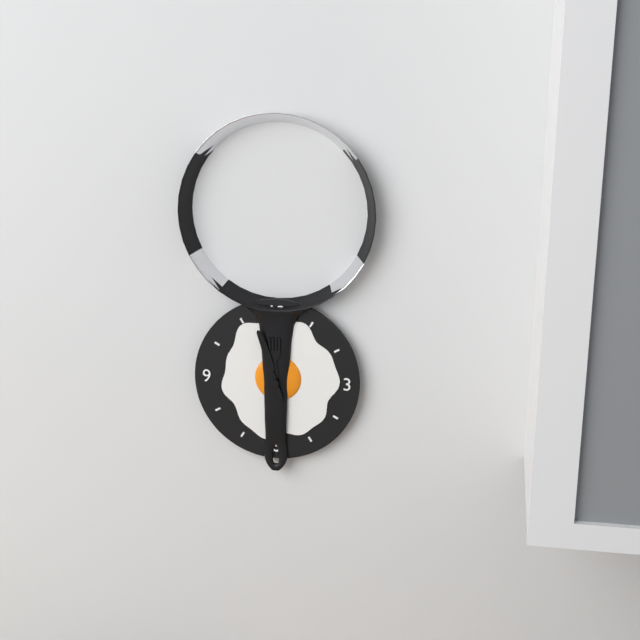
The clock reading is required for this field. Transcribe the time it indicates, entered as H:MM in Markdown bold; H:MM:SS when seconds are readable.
**11:57**
